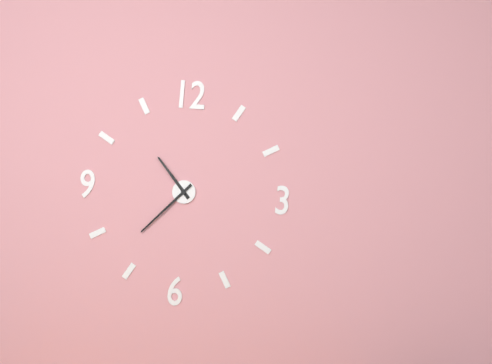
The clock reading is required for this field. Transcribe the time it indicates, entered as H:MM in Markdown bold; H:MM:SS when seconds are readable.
**10:37**
